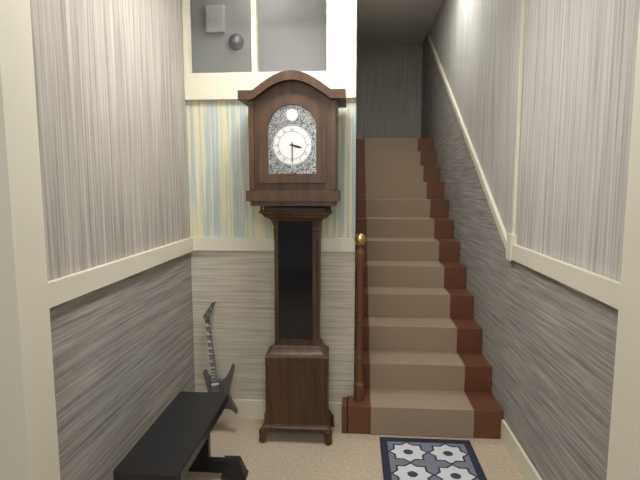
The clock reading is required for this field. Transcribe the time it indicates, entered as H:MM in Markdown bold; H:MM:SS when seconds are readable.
**3:30**
